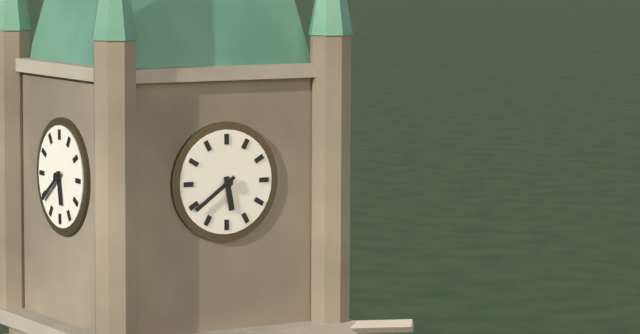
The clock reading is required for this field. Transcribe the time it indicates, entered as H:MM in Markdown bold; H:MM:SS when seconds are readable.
**5:39**
